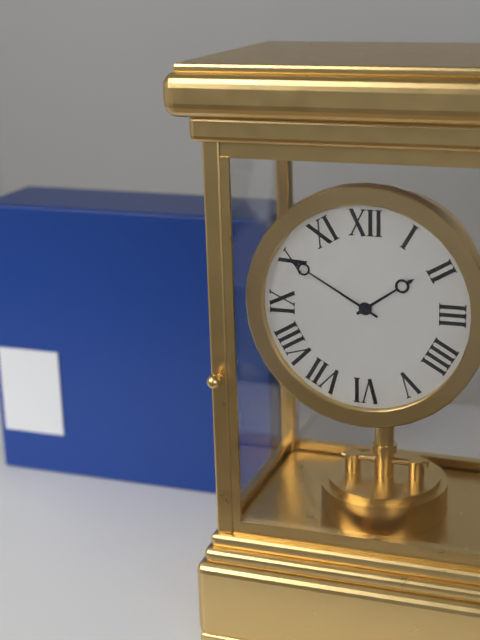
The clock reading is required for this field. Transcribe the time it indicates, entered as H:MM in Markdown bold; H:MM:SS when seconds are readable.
**1:50**
